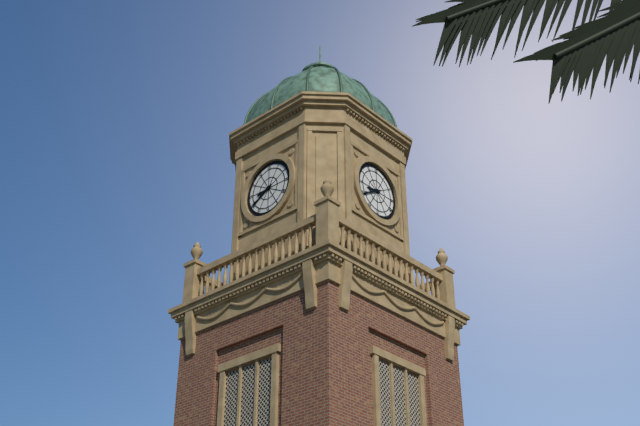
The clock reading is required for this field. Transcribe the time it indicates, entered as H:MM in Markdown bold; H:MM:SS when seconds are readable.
**8:40**
